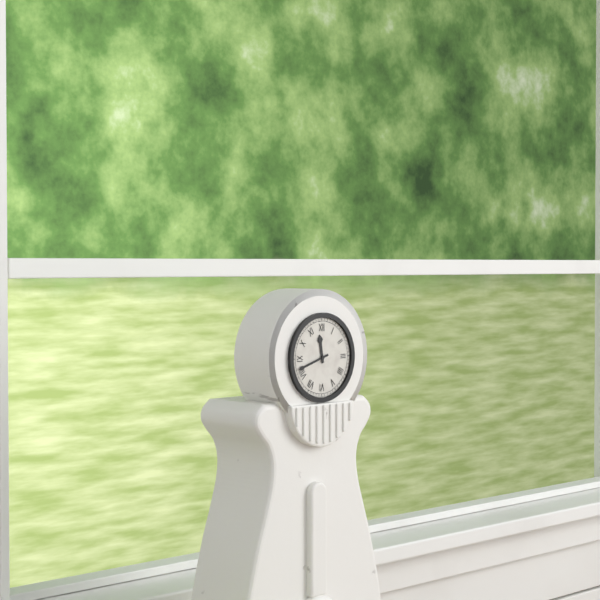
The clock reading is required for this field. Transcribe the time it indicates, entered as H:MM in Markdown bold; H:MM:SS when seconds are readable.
**11:42**
